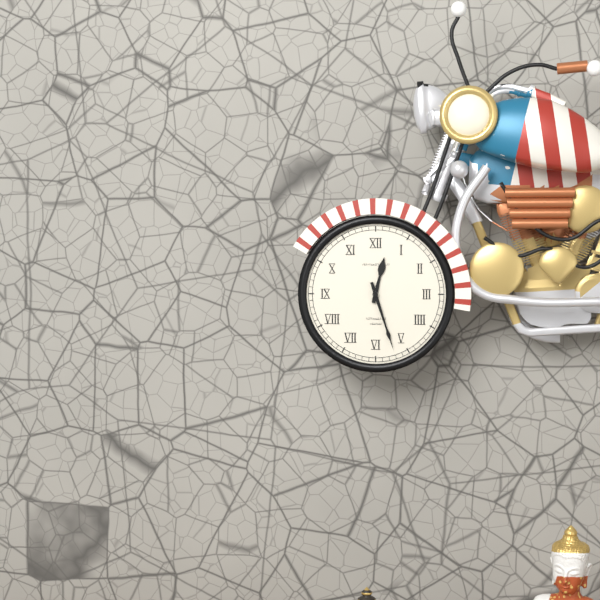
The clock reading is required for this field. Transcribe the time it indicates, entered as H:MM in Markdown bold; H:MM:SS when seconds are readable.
**12:27**
